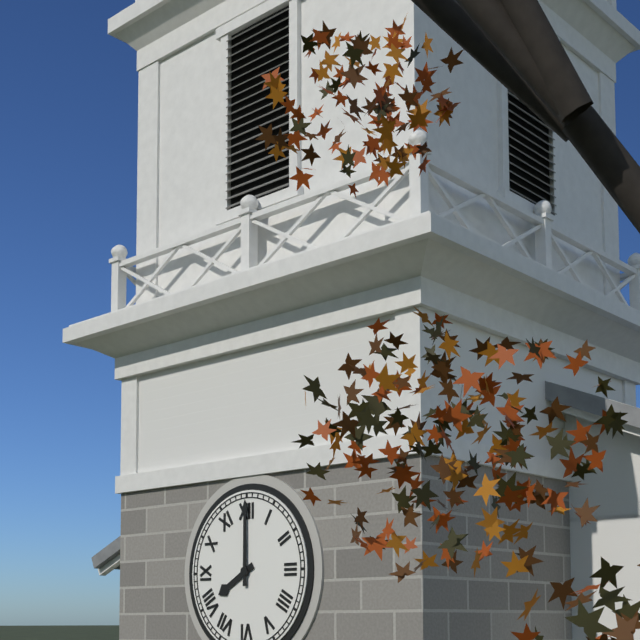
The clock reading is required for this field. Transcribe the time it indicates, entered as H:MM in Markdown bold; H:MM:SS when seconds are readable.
**8:00**
